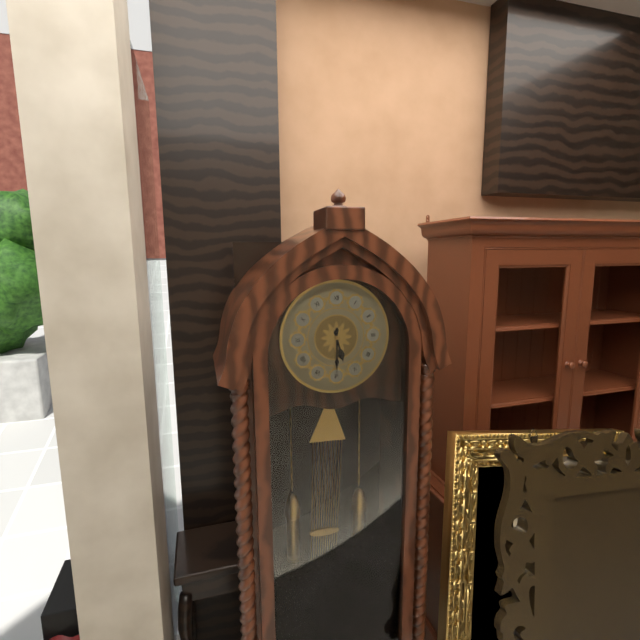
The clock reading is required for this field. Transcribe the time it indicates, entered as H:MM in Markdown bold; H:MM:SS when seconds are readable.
**5:30**
